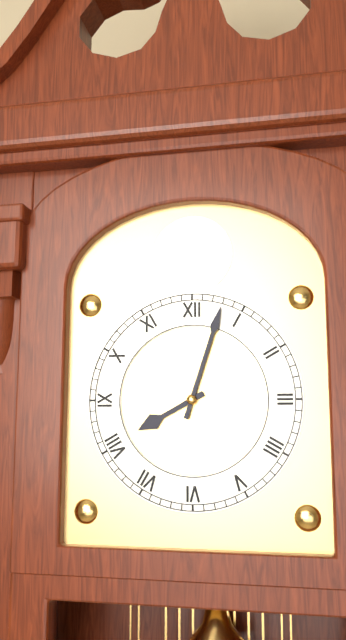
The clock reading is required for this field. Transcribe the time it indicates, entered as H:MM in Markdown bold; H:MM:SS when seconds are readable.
**8:03**
